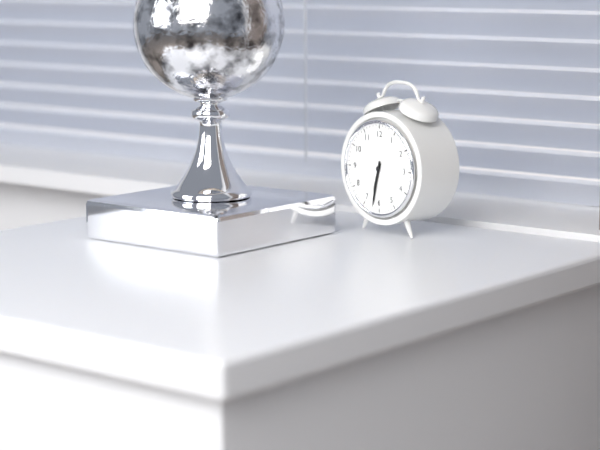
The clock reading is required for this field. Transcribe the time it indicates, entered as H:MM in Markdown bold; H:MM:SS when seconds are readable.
**6:32**
